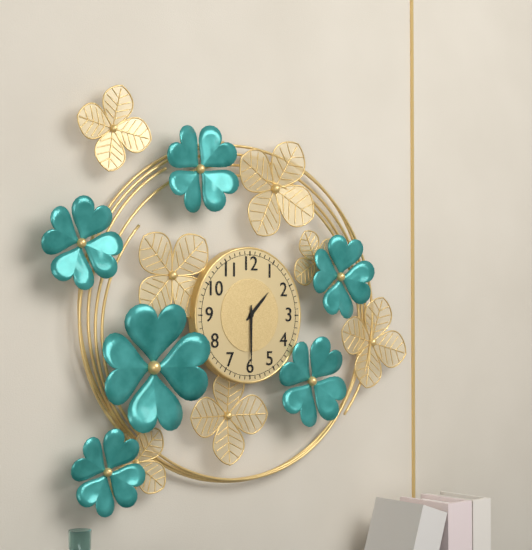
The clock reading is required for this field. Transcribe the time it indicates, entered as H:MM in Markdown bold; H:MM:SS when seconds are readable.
**1:30**
